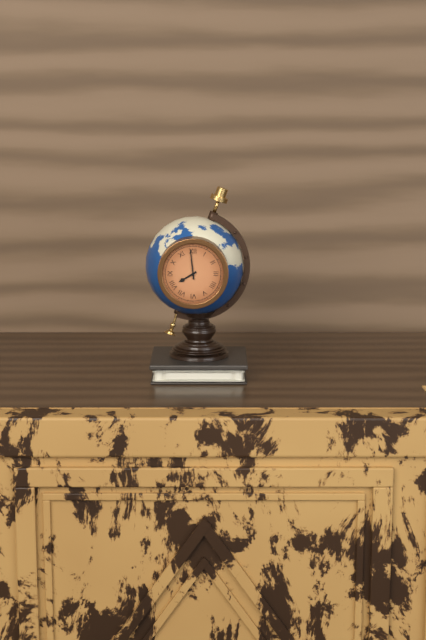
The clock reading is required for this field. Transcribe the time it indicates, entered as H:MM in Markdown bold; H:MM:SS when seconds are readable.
**7:59**
